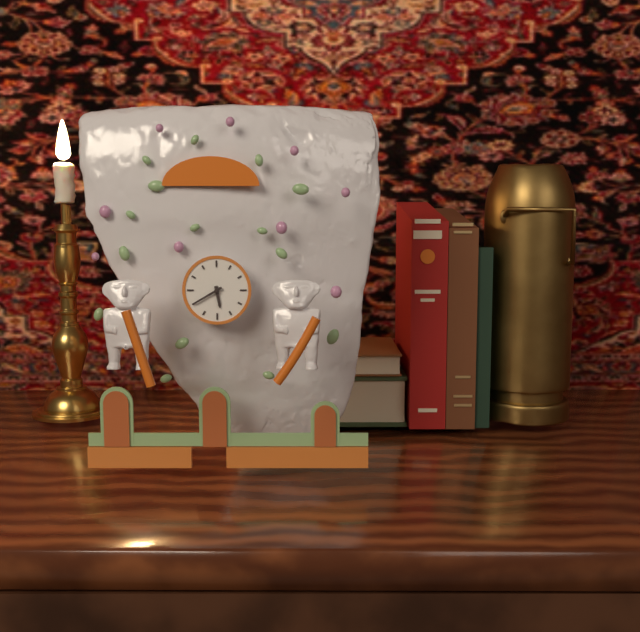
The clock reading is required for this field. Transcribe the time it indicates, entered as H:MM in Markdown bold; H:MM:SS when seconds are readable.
**5:40**
